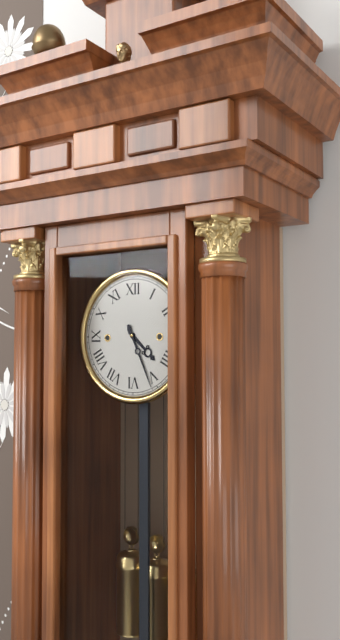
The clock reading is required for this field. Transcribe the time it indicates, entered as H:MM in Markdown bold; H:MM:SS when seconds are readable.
**4:26**
